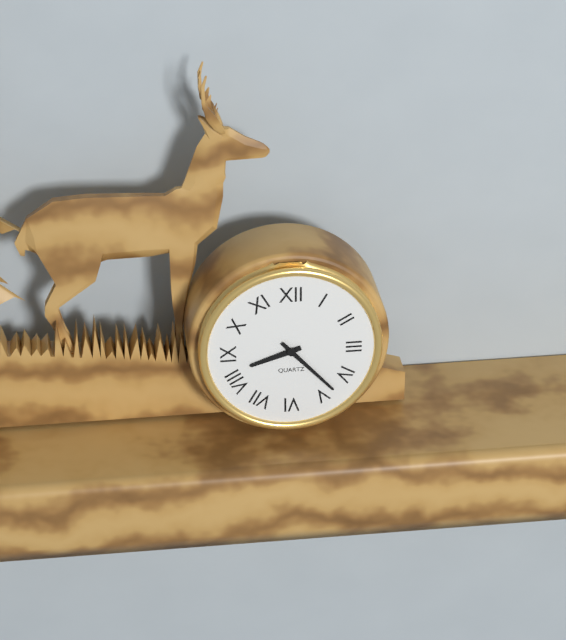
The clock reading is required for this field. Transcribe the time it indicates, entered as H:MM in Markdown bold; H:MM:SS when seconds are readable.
**8:23**
